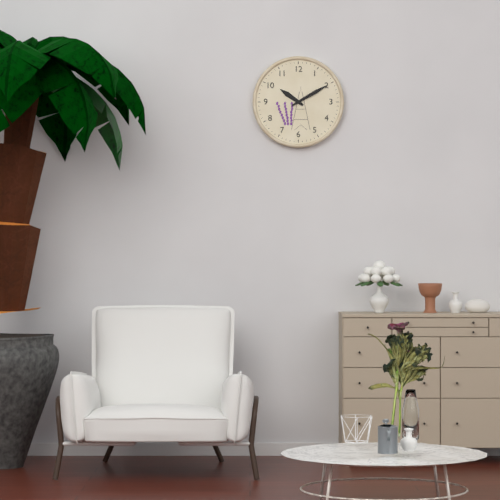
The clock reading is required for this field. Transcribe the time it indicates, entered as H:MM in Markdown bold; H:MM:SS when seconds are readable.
**10:10**
